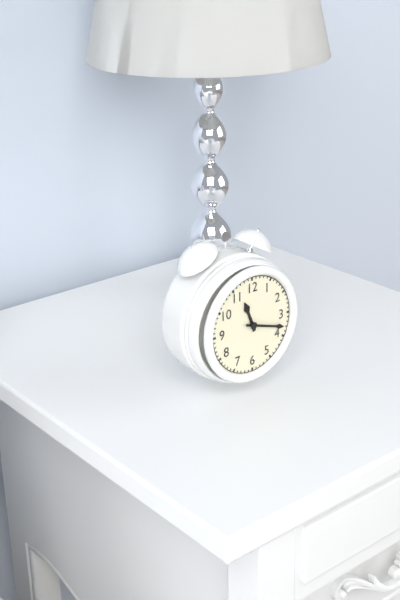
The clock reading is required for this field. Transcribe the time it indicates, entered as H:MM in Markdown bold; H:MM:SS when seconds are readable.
**11:18**
